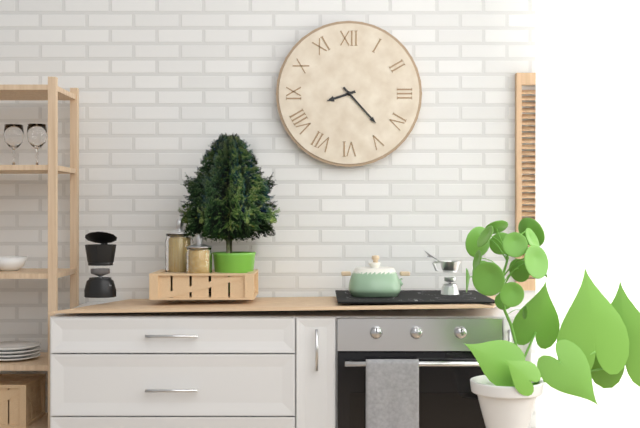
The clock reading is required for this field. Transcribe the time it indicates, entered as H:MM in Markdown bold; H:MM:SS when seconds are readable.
**8:23**
